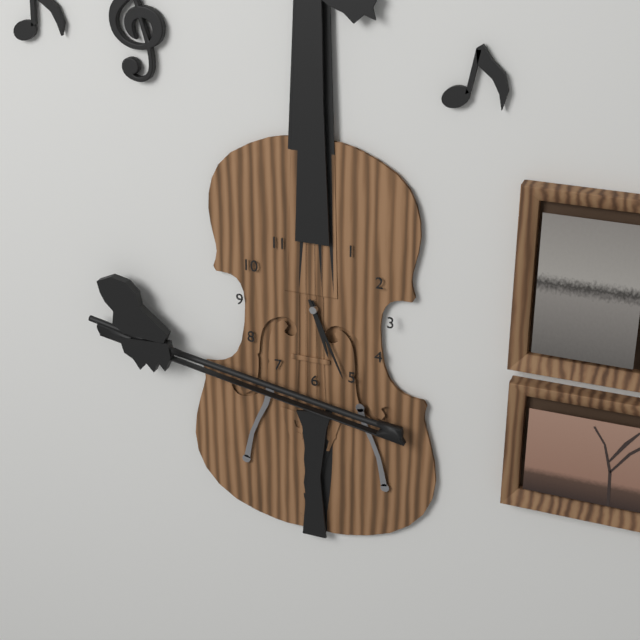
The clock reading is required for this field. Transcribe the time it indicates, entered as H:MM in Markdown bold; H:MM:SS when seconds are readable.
**5:26**
